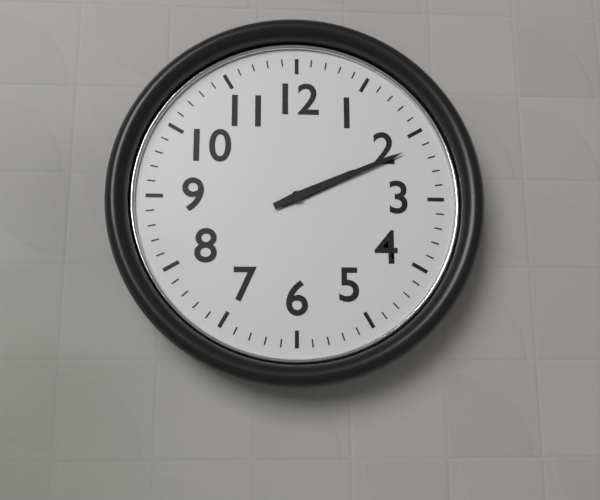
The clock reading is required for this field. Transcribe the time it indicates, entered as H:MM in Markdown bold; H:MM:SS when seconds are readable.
**2:11**
